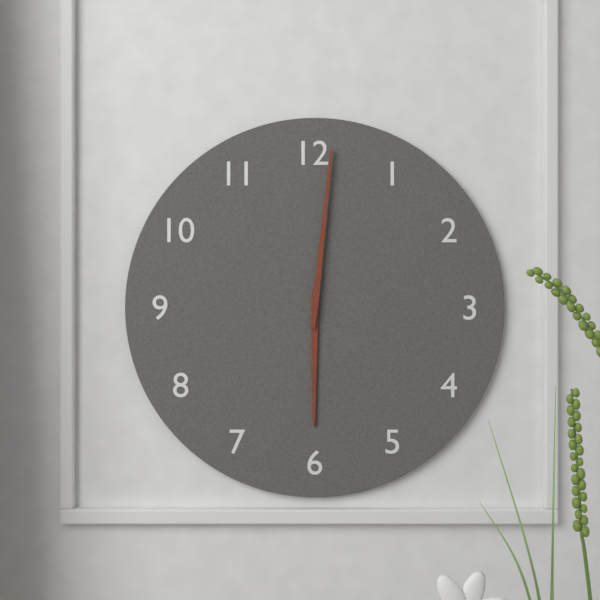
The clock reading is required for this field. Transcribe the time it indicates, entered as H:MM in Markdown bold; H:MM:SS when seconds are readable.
**6:01**
